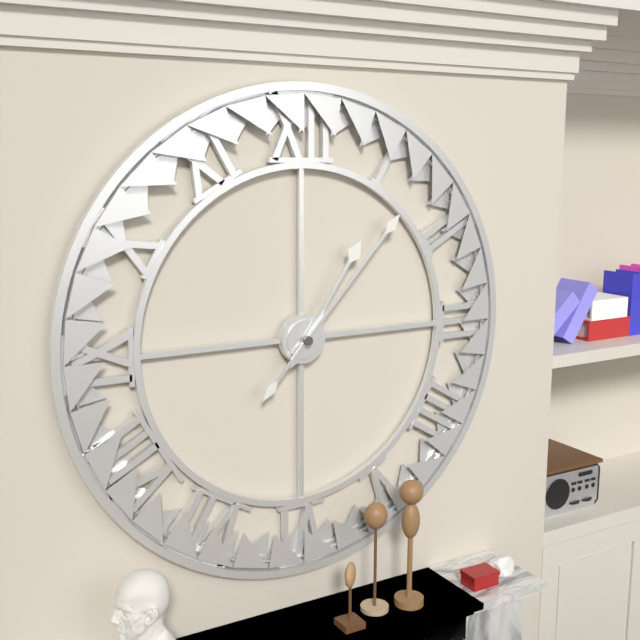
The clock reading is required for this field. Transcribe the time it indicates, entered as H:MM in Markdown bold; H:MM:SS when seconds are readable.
**1:07**
